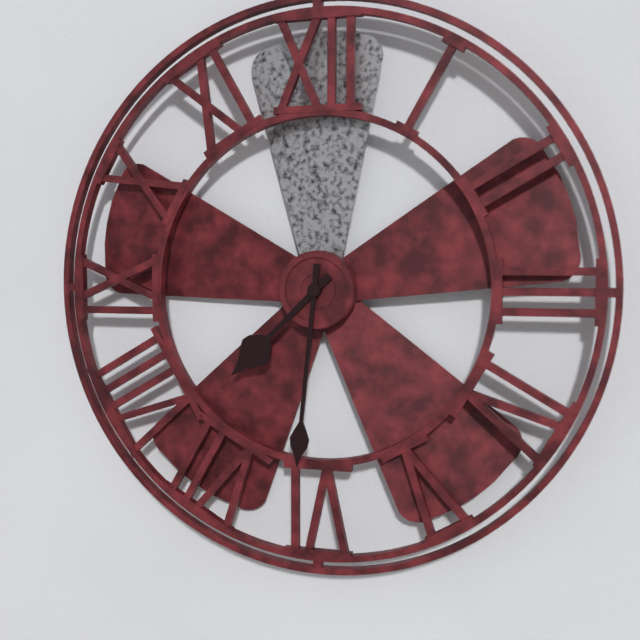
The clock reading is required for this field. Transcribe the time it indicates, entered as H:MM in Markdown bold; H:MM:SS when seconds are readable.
**7:31**
